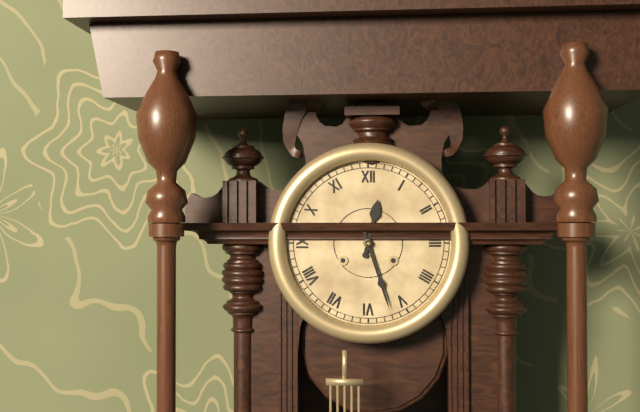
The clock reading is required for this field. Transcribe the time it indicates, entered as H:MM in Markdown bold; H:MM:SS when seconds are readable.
**12:27**
